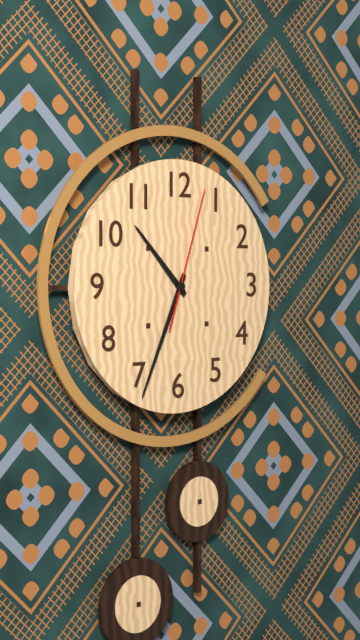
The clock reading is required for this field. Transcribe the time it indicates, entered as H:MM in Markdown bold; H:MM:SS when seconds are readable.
**10:34:03**
